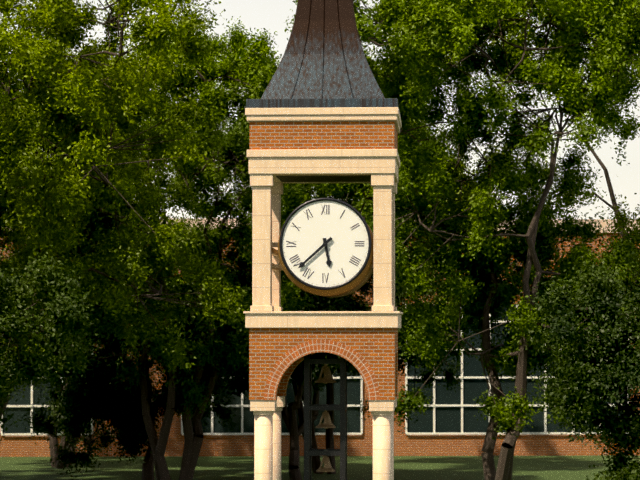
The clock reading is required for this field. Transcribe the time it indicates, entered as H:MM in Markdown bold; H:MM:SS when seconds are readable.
**5:38**
